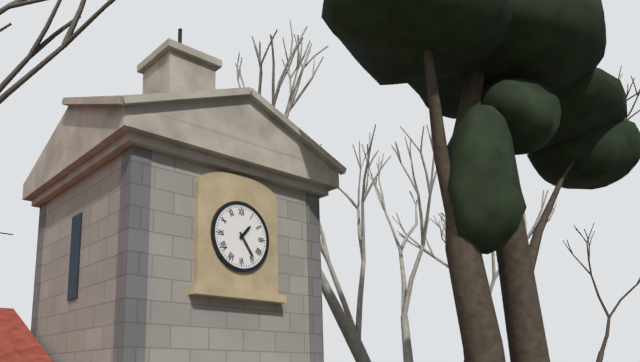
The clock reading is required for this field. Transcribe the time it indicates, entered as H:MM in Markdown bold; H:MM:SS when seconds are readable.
**1:24**
